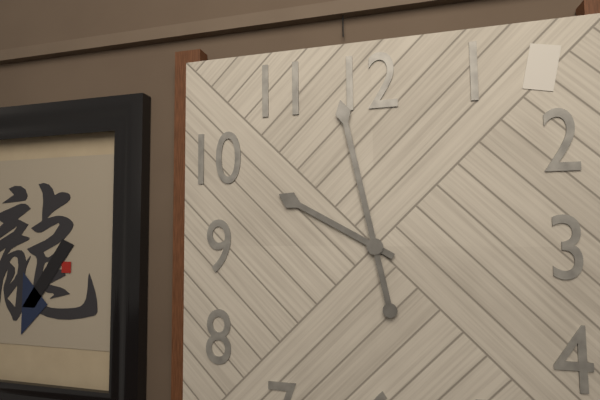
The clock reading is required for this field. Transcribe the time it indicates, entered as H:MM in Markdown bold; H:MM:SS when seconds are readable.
**9:58**
